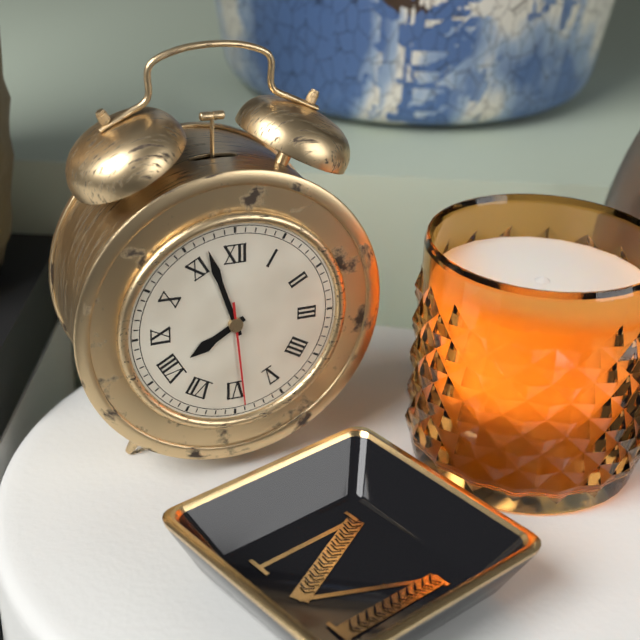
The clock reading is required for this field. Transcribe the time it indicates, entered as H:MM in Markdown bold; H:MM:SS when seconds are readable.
**7:57:29**
